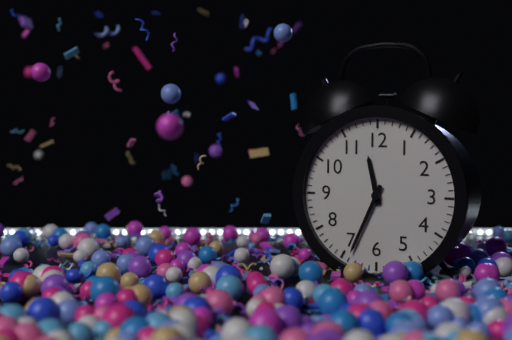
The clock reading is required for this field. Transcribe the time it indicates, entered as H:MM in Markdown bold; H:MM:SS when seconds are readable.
**11:34**
